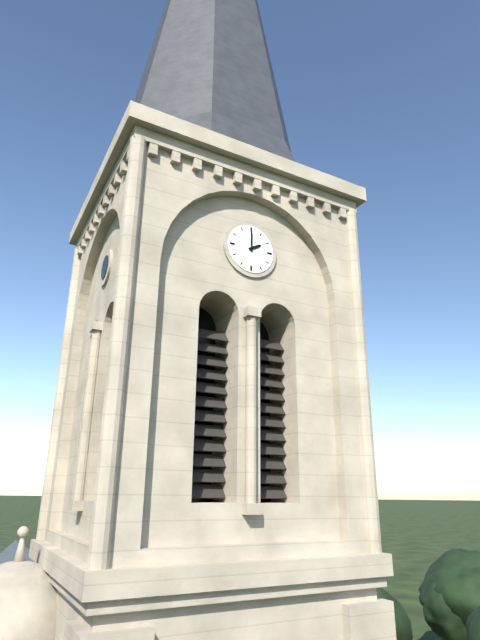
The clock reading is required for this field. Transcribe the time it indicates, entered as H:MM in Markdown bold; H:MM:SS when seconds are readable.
**2:00**
